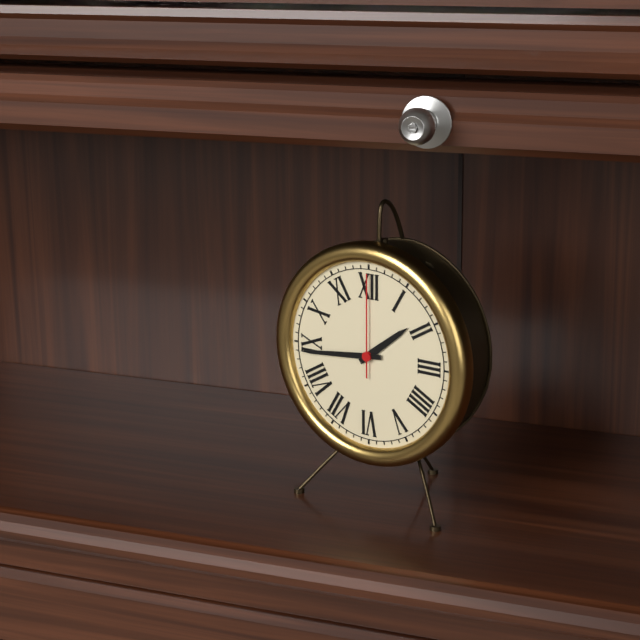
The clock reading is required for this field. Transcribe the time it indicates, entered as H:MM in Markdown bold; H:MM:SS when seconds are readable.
**1:44:00**
